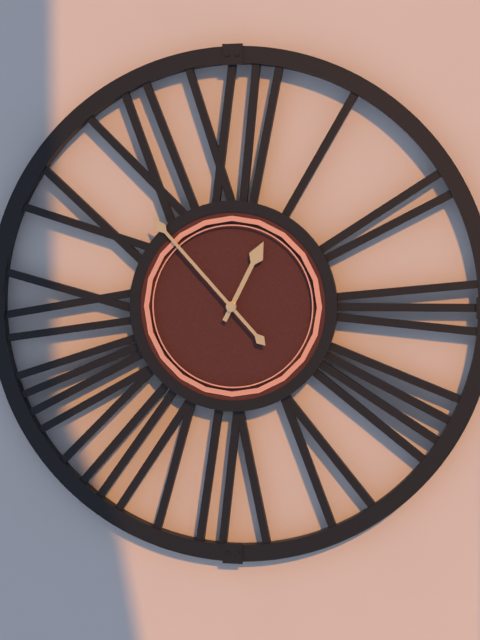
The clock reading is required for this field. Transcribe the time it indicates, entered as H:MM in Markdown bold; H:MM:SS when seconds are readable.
**12:53**
